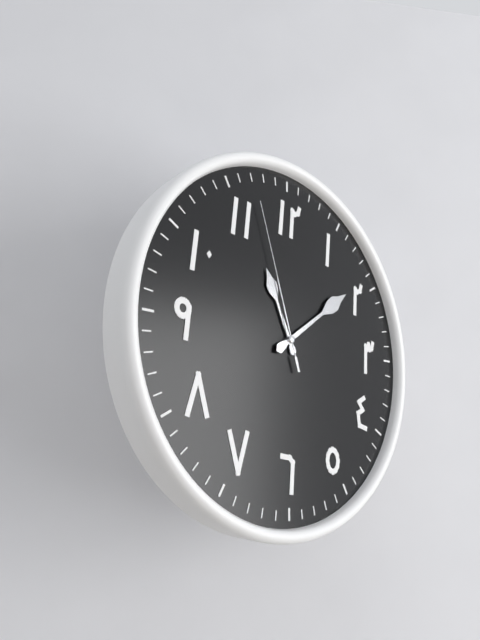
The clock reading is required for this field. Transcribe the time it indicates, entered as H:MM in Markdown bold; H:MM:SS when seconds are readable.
**11:09:57**
